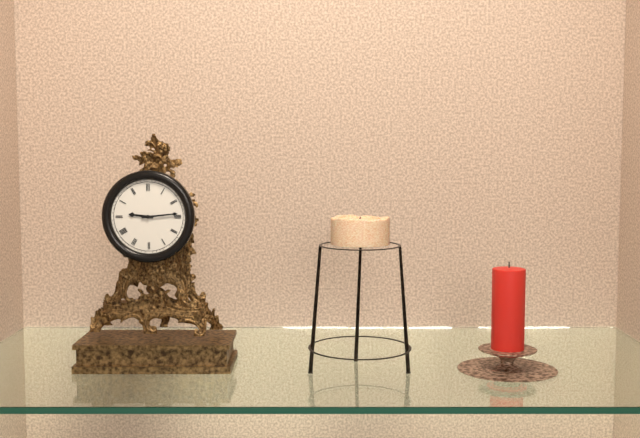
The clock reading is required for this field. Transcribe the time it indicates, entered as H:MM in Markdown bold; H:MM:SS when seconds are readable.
**9:14**
